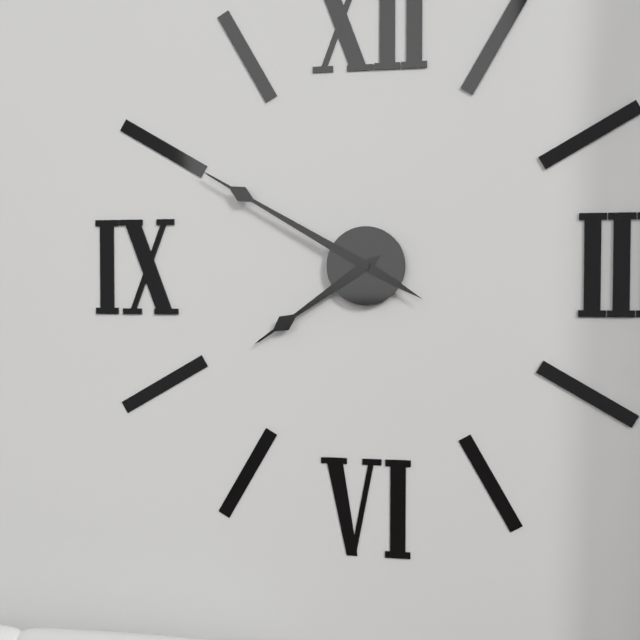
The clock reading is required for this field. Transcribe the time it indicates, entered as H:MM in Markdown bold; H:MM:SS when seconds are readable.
**7:50**
